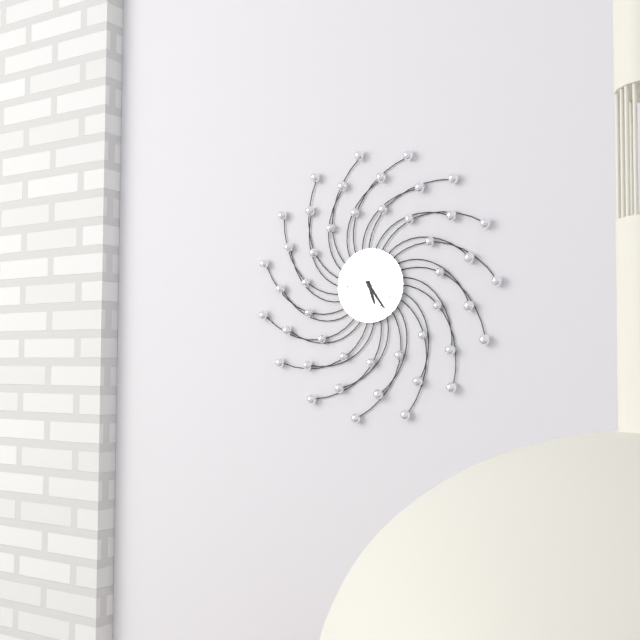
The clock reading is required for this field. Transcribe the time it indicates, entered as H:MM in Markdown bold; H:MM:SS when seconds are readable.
**5:24**
